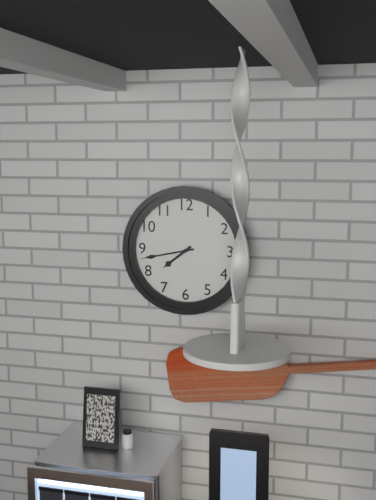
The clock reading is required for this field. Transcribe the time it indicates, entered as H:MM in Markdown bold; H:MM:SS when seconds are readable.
**7:43**
